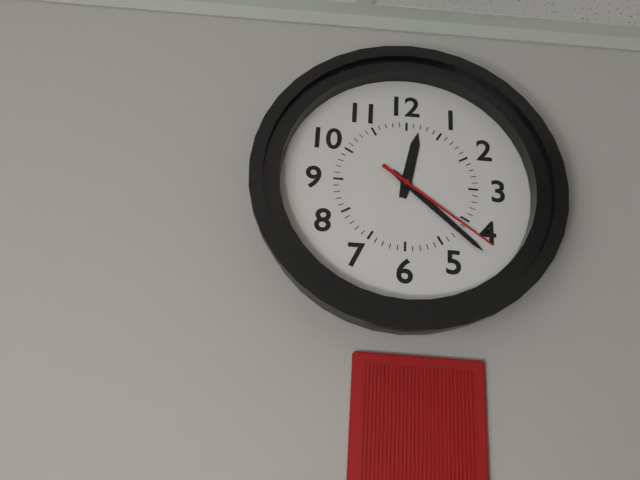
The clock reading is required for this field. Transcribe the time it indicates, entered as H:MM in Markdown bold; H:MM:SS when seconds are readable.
**12:22:21**
